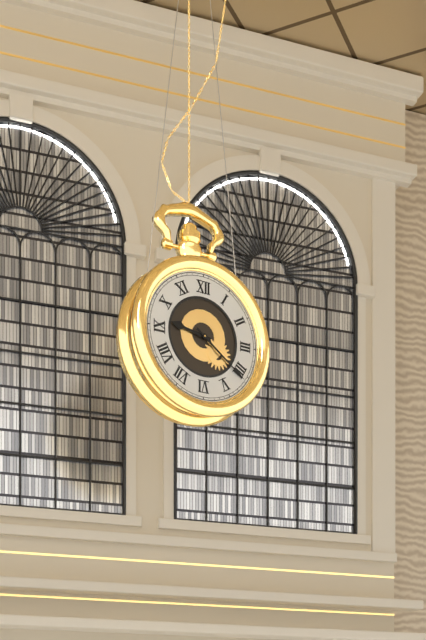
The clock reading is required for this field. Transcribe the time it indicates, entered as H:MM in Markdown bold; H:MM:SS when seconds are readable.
**9:21**
